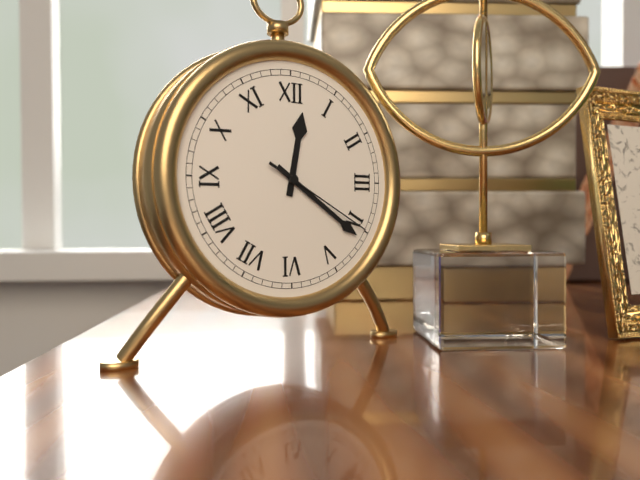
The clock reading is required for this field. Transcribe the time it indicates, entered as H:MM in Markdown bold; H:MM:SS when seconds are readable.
**12:21:20**
